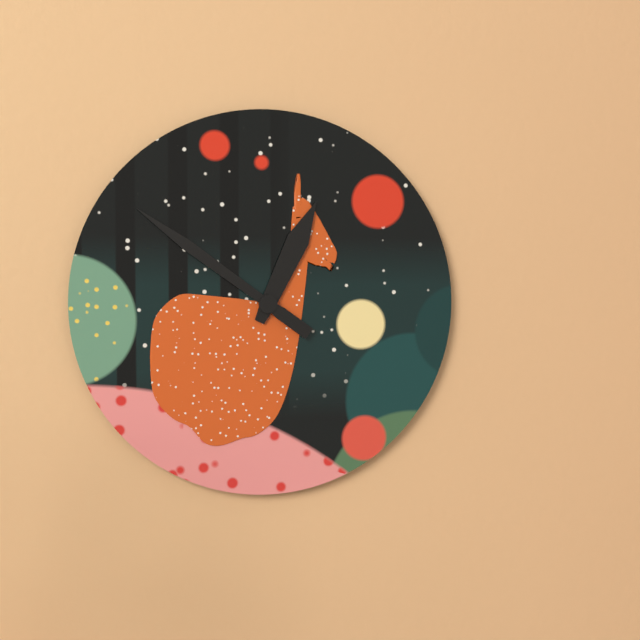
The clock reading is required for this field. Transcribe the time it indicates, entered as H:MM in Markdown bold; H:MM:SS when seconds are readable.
**12:51**
